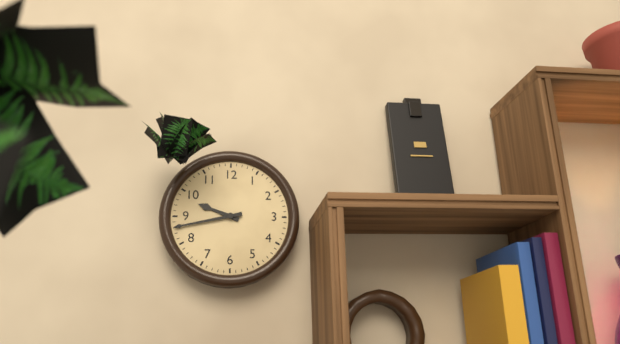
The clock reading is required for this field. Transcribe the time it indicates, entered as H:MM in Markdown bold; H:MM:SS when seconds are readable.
**9:43**
